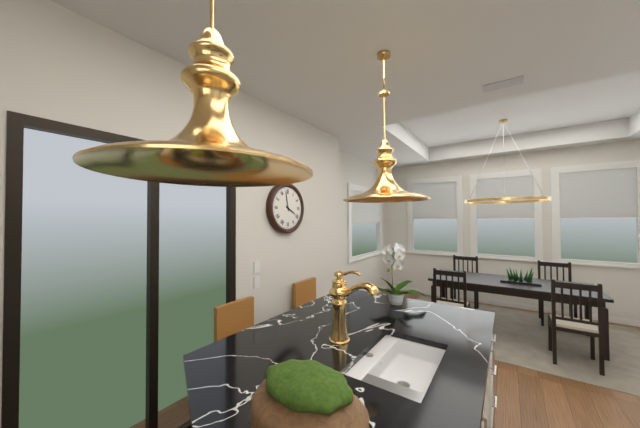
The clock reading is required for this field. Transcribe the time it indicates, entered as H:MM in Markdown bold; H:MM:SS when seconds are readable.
**3:58**
